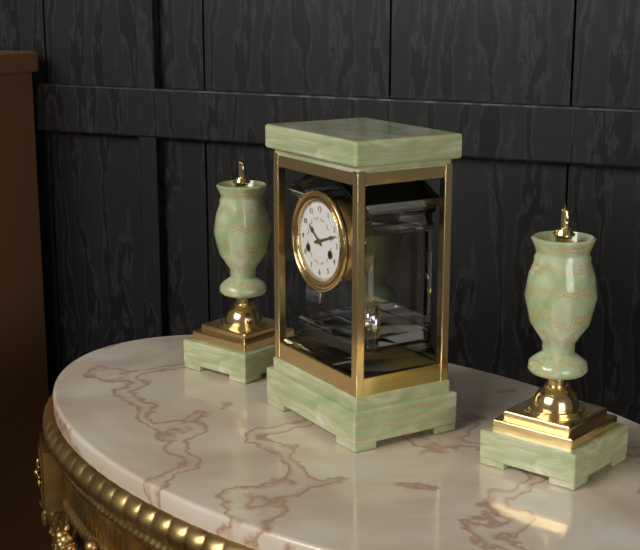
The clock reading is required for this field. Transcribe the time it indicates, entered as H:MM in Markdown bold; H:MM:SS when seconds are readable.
**10:12**
